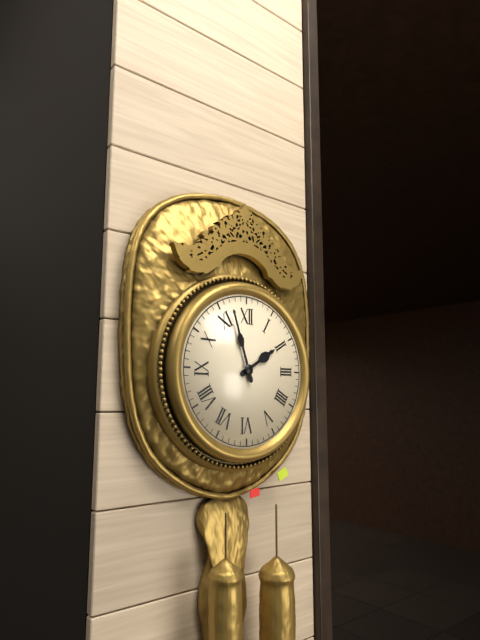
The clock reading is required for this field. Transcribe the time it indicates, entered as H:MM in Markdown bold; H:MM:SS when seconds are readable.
**1:57**
